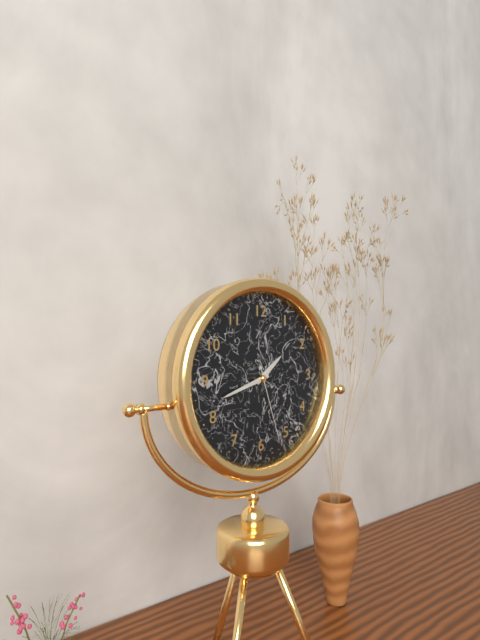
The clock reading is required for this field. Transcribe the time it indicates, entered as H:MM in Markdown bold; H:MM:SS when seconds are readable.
**1:42:27**
